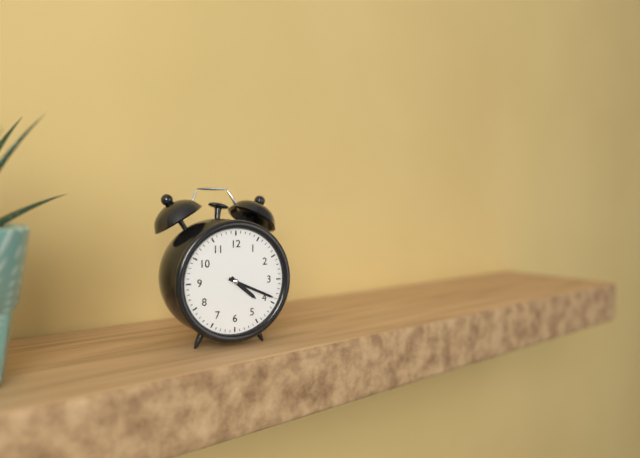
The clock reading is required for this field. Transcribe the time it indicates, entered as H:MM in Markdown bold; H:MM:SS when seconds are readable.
**4:19**
